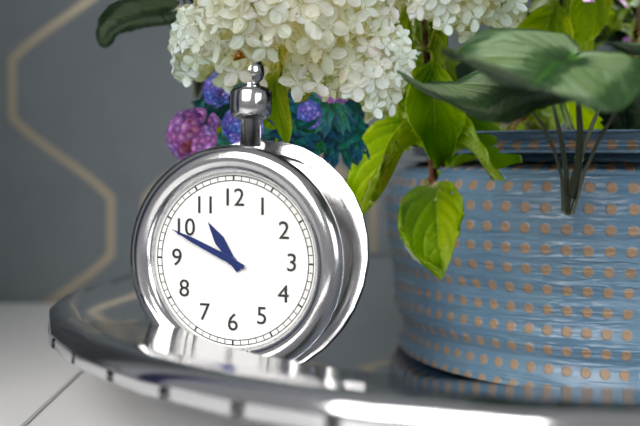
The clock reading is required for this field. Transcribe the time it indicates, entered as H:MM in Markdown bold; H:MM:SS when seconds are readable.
**10:49**
